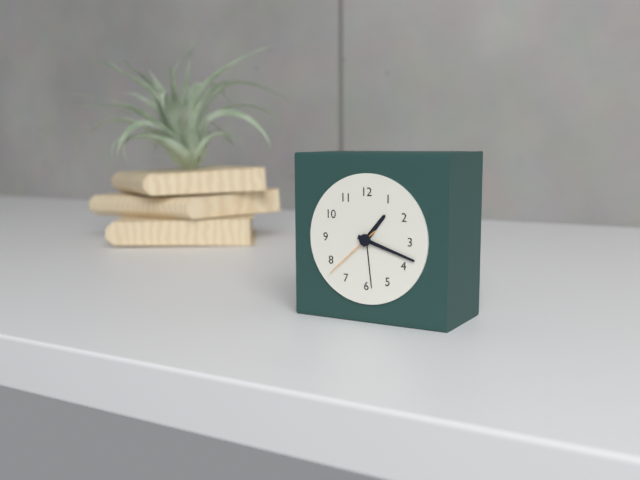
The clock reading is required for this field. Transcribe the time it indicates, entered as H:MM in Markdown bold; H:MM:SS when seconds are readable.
**1:18:38**
